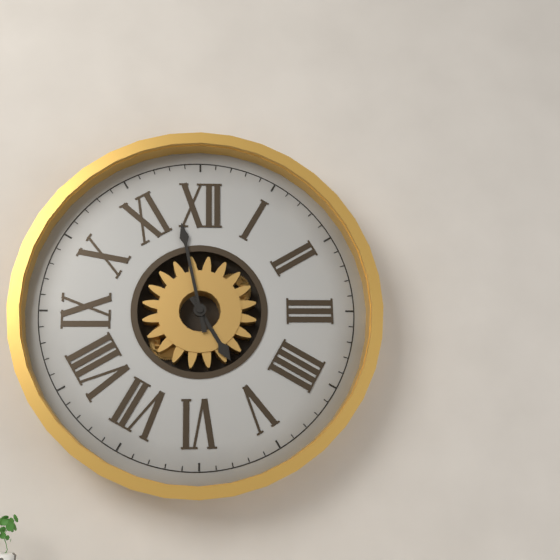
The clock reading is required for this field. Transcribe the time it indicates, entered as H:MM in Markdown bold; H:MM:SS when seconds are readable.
**4:58**
